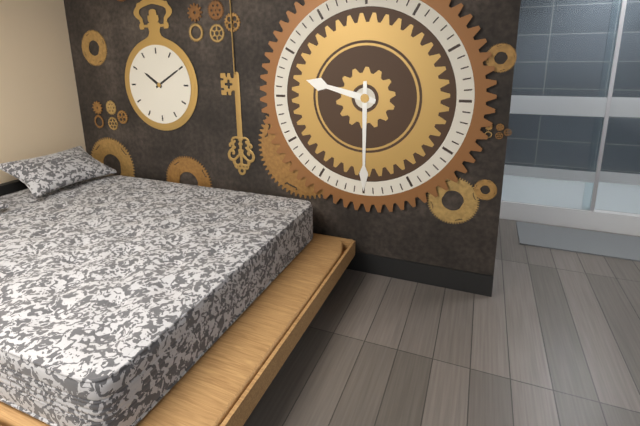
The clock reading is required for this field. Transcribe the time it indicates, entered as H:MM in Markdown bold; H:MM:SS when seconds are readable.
**9:30**
